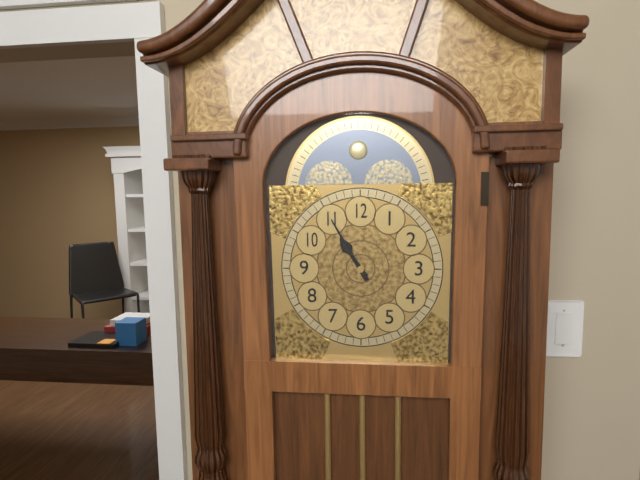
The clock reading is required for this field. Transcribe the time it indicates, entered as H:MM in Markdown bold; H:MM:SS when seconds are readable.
**10:55**
